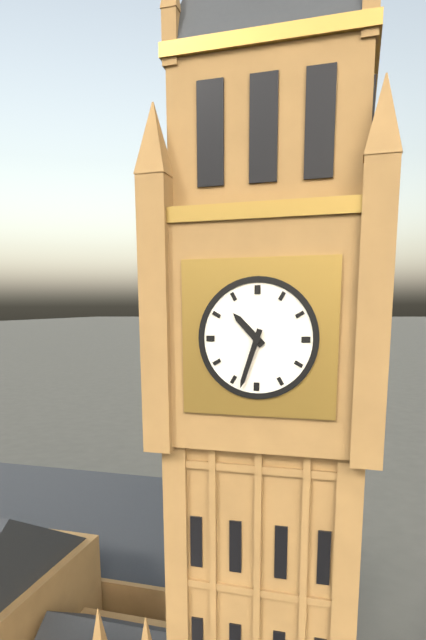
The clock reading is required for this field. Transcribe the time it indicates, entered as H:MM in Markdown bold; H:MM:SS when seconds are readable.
**10:33**
